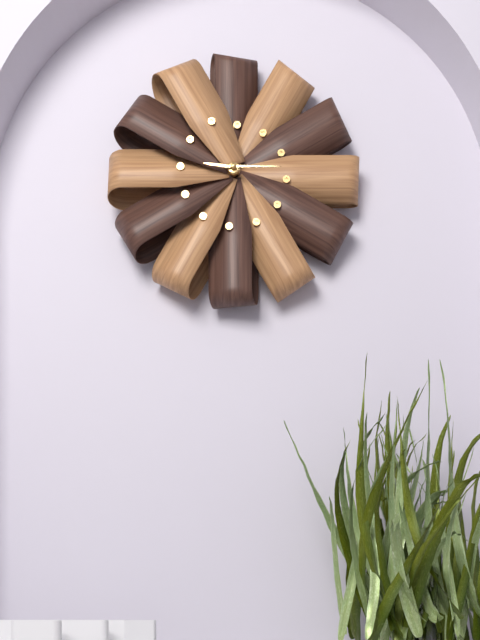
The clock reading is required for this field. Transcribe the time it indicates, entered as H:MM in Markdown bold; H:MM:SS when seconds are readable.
**9:15**
